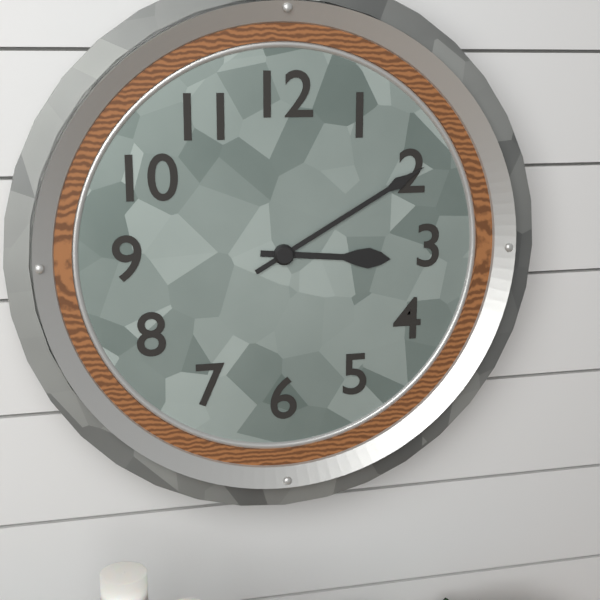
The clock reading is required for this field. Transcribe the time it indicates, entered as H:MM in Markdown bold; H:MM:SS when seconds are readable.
**3:10**
